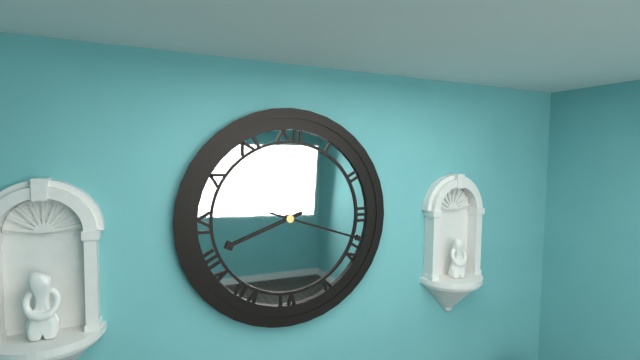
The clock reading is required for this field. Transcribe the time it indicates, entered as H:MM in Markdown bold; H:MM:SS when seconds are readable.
**8:18**
